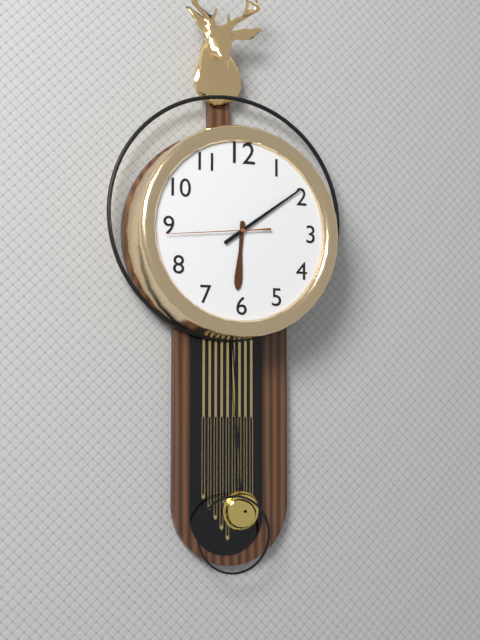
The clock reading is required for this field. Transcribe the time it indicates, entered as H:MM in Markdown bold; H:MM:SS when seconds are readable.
**6:09:44**
